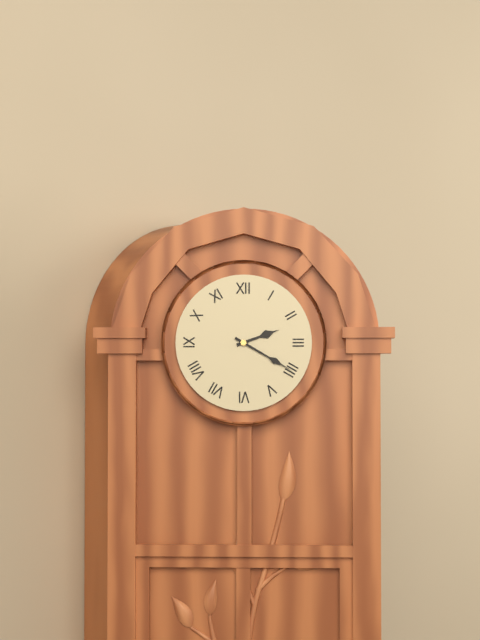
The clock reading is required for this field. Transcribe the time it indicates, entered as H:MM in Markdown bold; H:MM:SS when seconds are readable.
**2:20**
